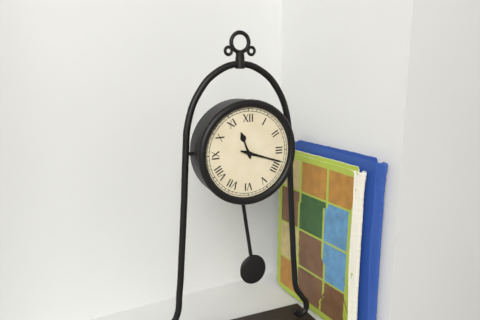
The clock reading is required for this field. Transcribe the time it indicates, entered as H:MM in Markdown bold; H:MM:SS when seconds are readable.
**11:18**
